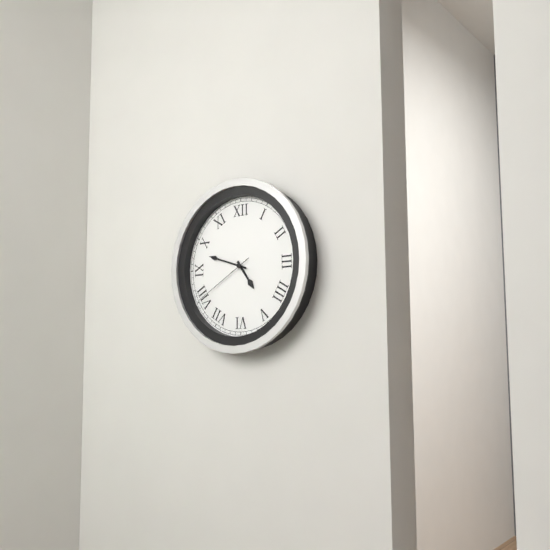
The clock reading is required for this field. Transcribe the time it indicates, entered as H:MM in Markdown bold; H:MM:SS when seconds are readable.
**4:48:40**
